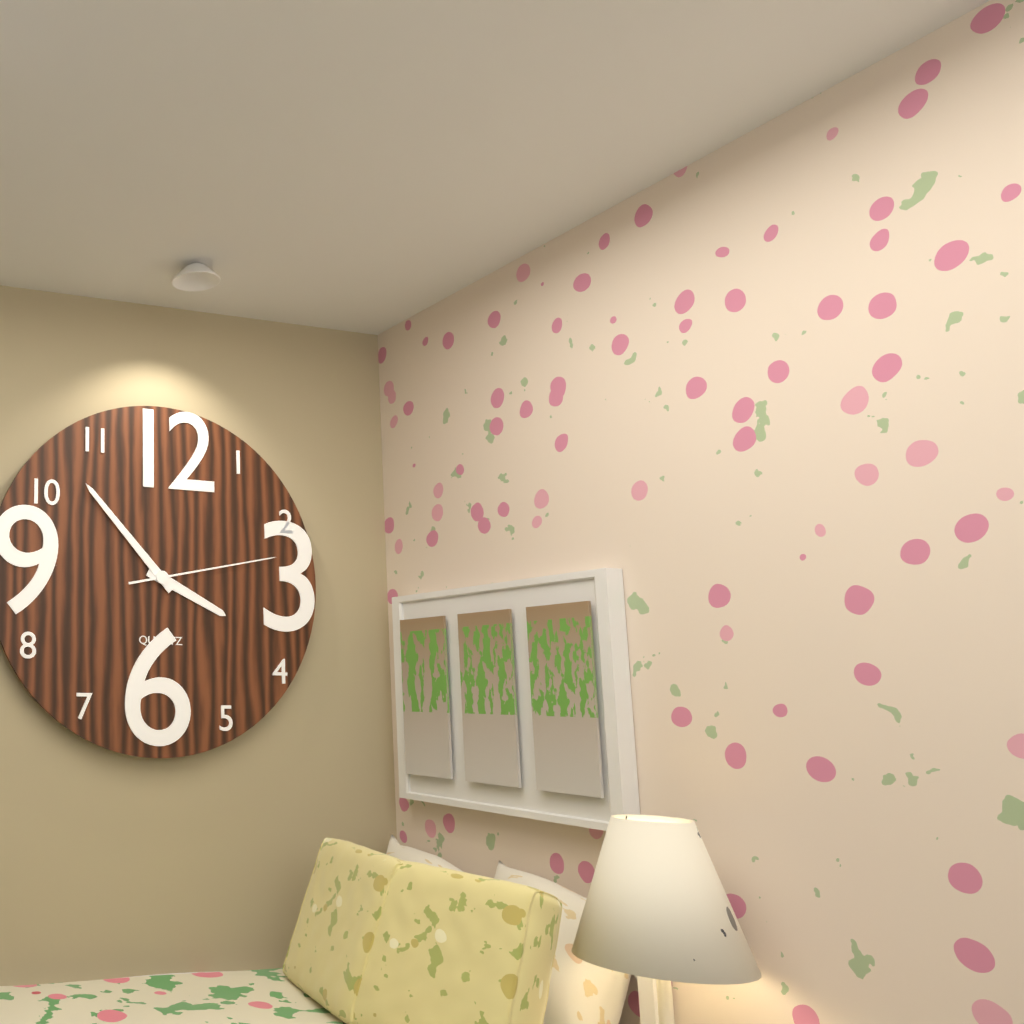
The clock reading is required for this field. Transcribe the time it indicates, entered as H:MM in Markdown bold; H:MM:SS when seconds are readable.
**3:53:13**
